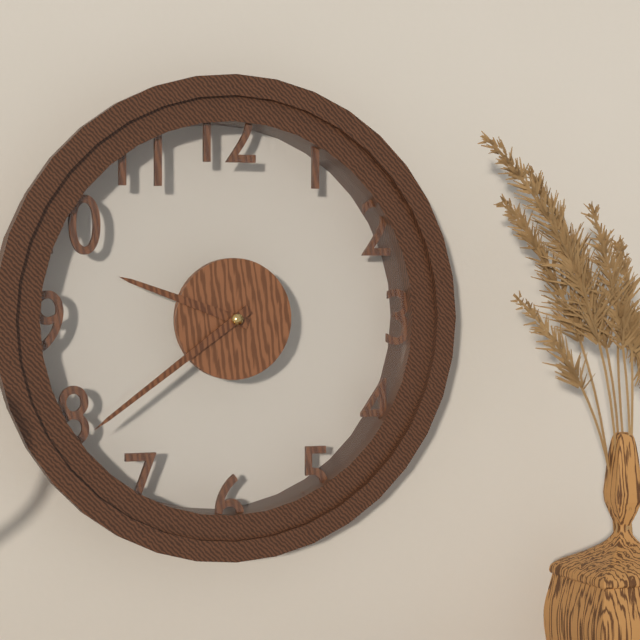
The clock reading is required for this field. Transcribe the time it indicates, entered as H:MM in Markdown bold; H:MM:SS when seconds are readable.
**9:39**
